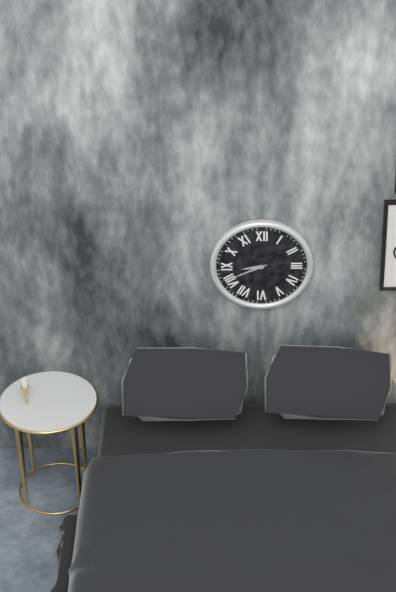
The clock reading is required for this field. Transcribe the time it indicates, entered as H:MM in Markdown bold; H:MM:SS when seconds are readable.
**8:41**
